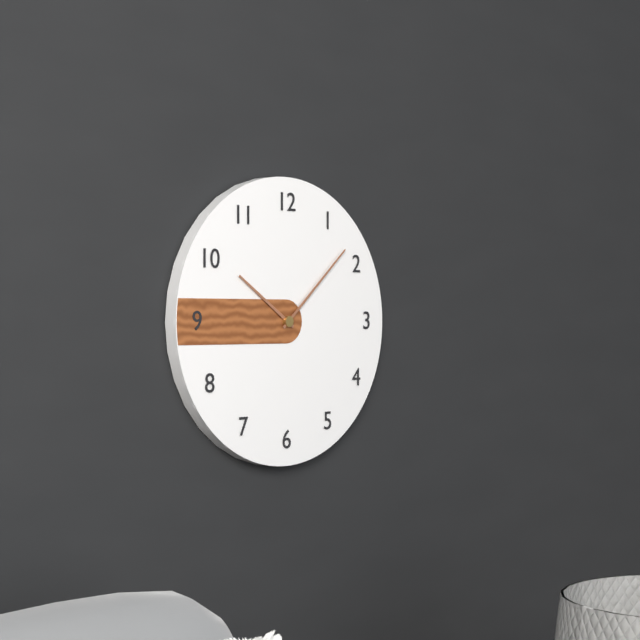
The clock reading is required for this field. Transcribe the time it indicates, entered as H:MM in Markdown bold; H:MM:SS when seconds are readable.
**10:08**
